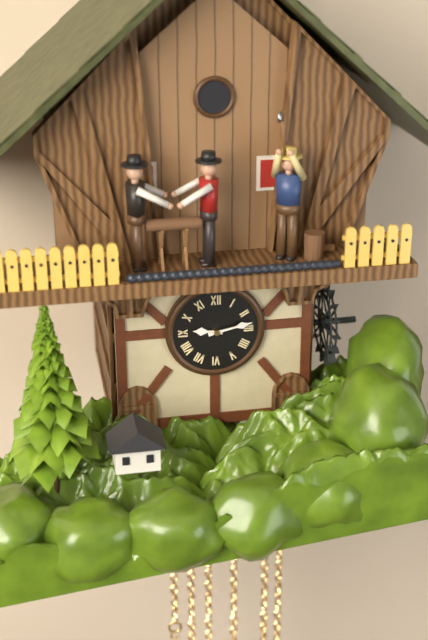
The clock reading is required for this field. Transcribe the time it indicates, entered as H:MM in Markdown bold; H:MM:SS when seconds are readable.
**9:13**
